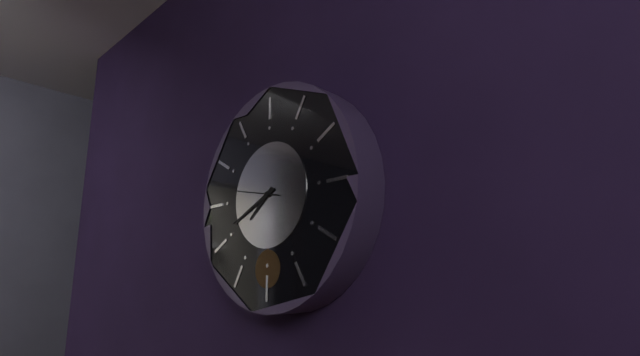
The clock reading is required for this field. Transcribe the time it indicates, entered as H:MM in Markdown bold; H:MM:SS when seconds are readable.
**7:41:47**
